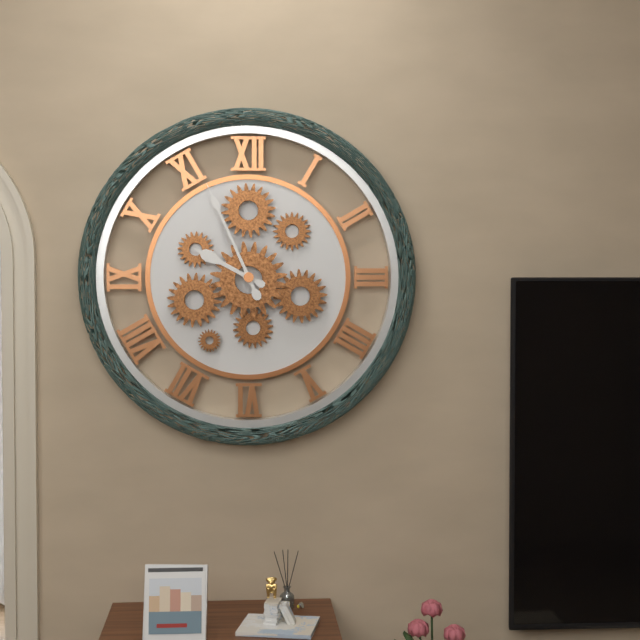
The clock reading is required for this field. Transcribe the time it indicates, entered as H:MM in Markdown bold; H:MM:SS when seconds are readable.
**9:56**
